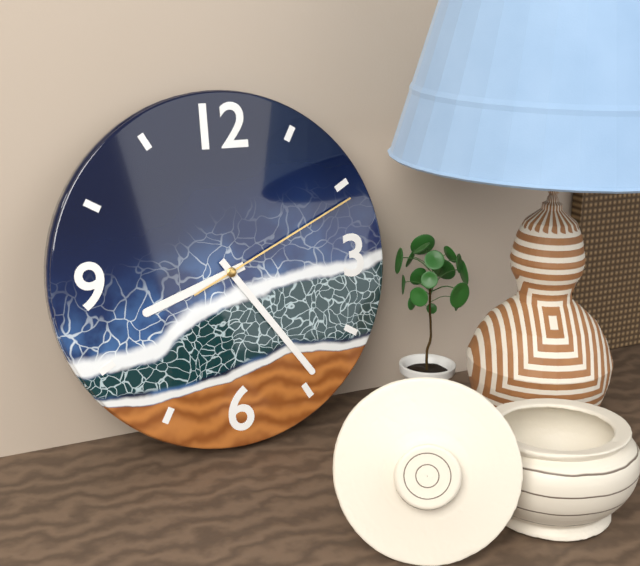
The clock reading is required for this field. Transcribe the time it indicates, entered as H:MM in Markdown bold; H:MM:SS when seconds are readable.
**8:24:11**
